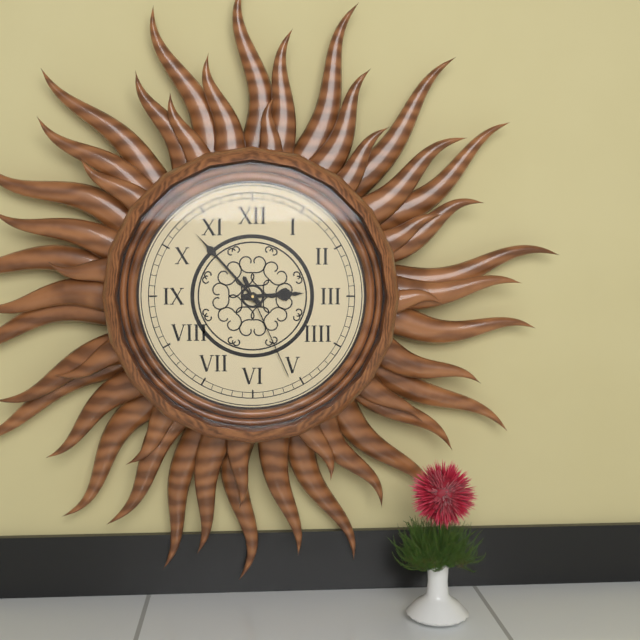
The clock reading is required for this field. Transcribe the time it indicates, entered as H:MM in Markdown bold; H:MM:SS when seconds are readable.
**2:53:26**
